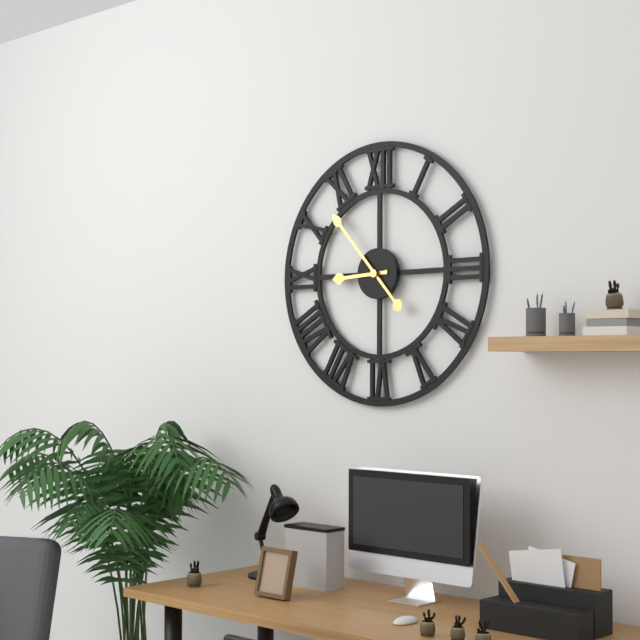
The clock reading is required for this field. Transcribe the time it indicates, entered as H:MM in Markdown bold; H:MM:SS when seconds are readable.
**8:53**
